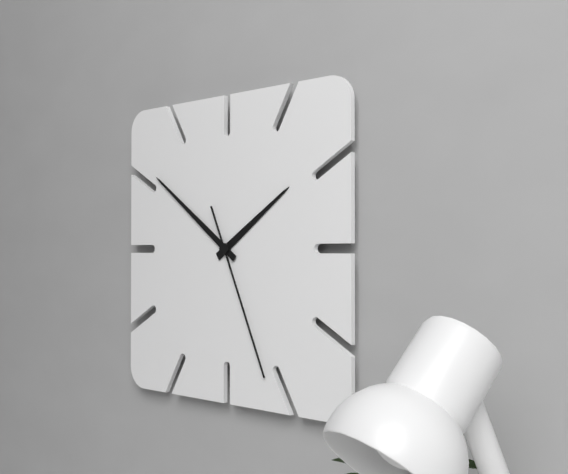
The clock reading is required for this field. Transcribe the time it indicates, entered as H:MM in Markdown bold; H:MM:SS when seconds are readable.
**1:51:26**
